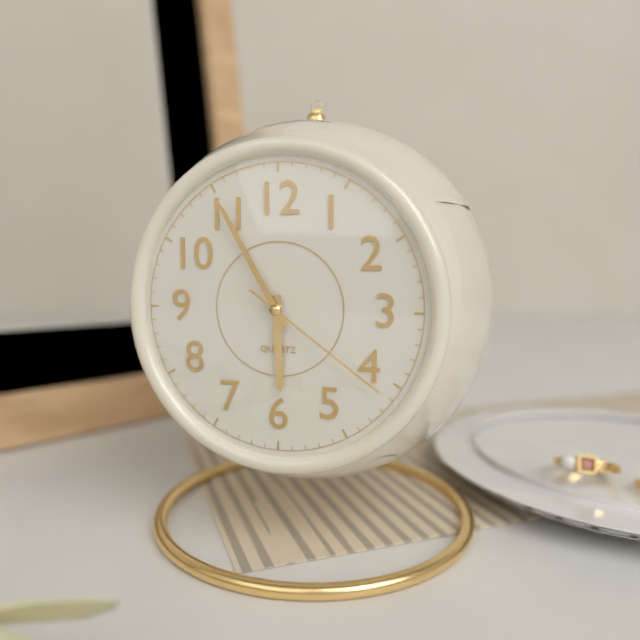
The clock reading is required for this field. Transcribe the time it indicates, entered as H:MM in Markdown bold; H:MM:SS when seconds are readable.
**5:55:21**
